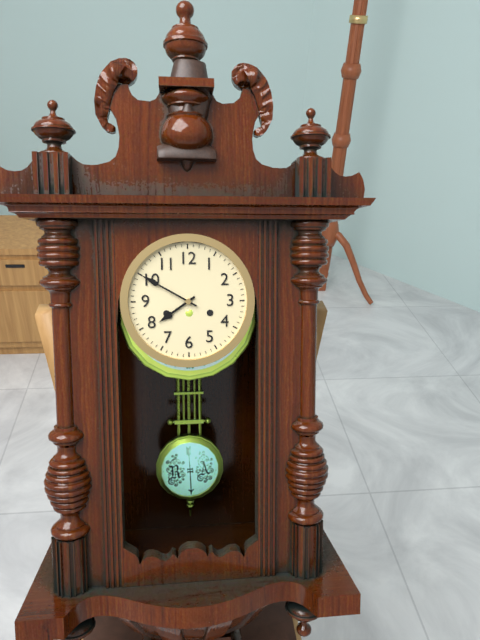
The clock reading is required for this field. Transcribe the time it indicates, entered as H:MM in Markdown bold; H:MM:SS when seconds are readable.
**7:50**
